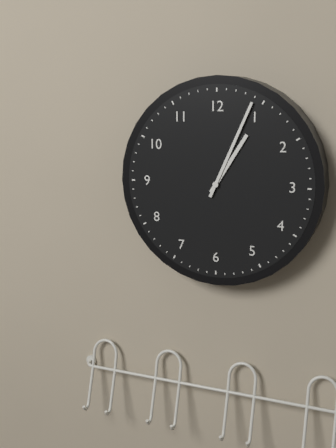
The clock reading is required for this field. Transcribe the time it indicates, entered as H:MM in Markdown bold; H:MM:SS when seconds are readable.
**1:04**
